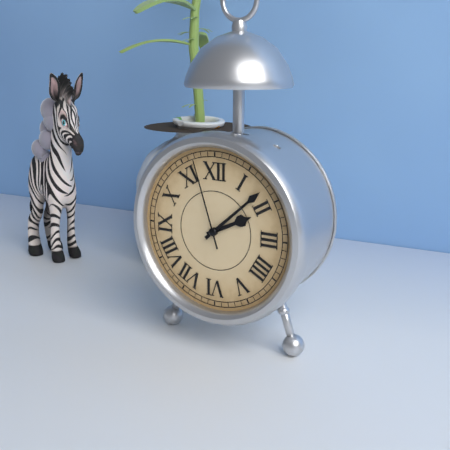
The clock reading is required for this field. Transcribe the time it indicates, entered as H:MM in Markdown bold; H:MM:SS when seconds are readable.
**2:08:57**
